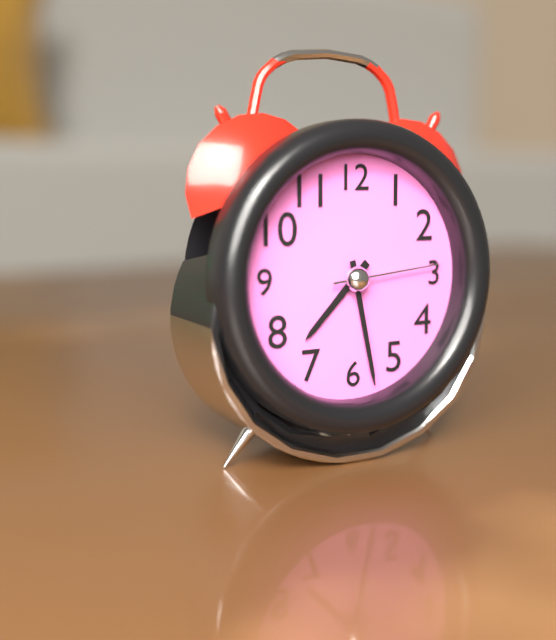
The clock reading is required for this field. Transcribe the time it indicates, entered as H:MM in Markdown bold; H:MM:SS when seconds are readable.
**7:28:14**
